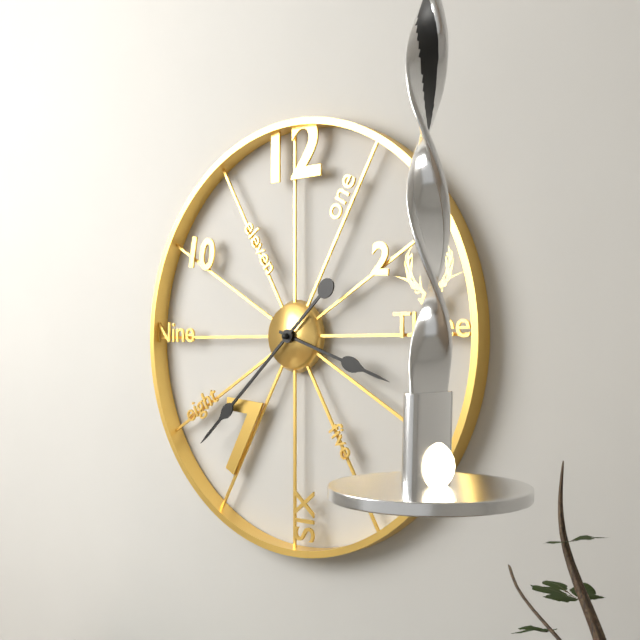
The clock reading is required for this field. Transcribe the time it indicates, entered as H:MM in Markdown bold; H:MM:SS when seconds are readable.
**3:38**
